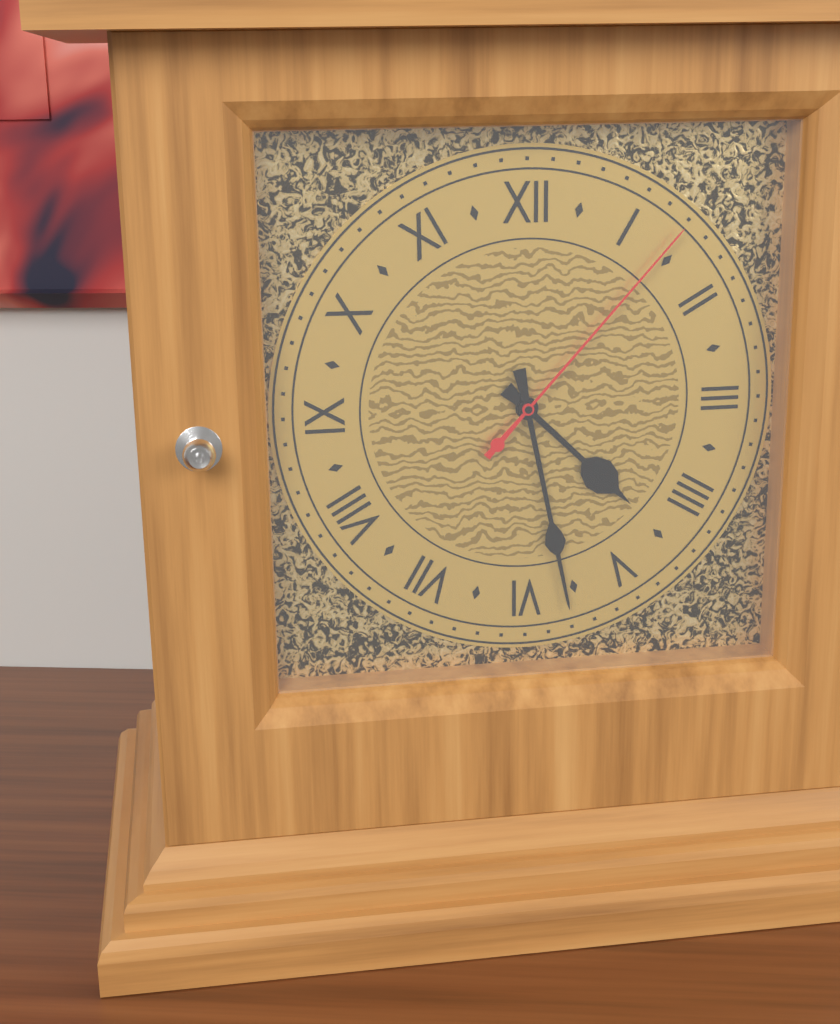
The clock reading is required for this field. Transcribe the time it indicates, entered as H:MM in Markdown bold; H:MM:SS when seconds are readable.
**4:28:07**
